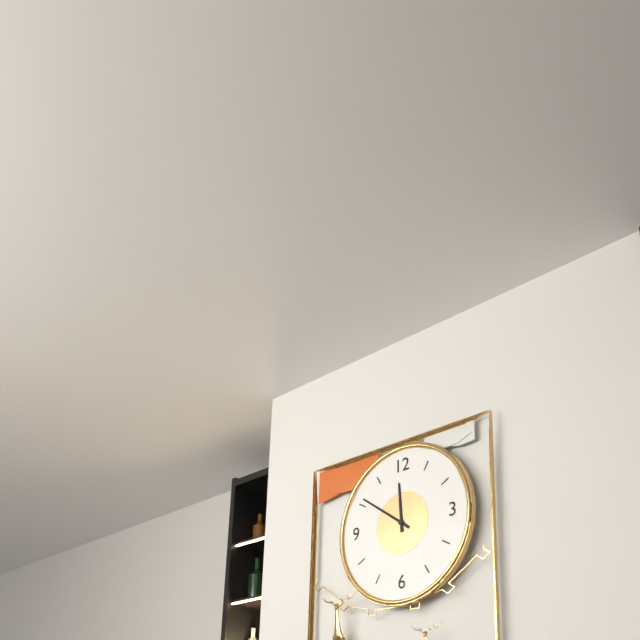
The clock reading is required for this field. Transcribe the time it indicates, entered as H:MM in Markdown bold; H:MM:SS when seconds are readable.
**11:51**
